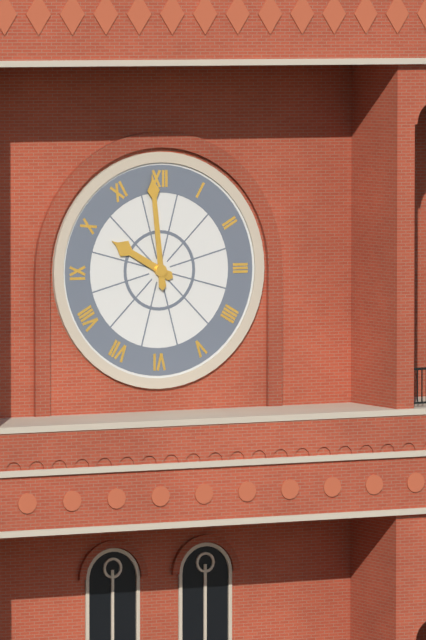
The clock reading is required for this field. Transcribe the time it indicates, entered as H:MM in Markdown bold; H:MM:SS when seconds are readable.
**9:59**
